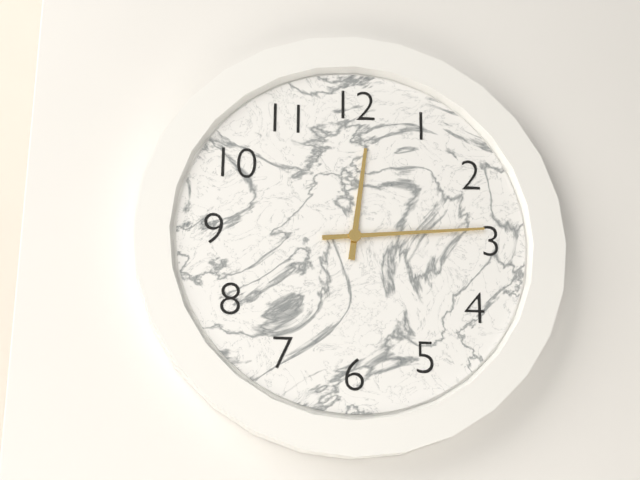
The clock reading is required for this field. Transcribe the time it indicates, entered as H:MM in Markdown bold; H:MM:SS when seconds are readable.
**12:14**
